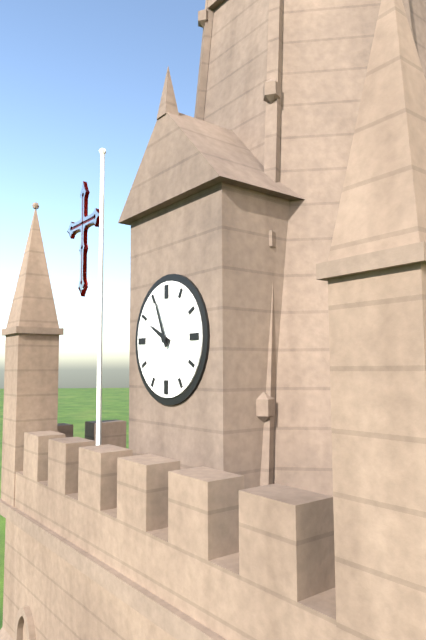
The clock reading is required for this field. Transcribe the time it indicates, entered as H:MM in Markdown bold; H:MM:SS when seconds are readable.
**9:56**
